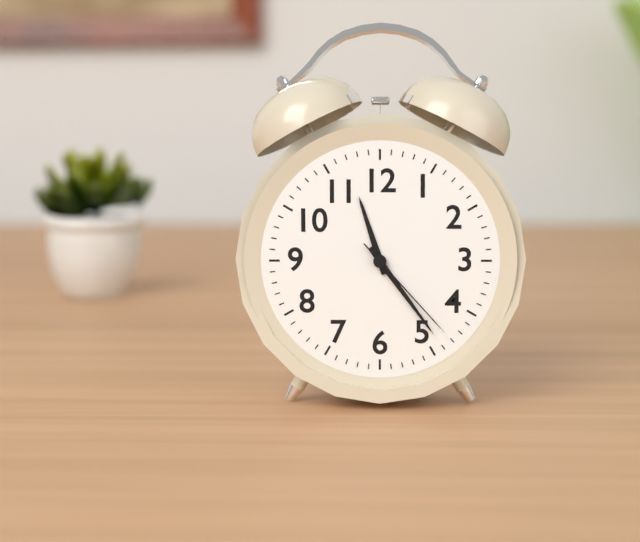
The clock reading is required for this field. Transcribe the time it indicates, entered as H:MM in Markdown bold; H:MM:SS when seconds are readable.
**11:24:23**
